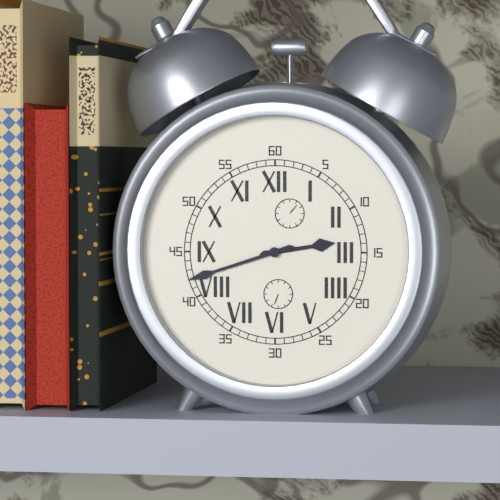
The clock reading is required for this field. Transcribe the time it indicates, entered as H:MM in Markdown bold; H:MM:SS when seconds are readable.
**2:42**
